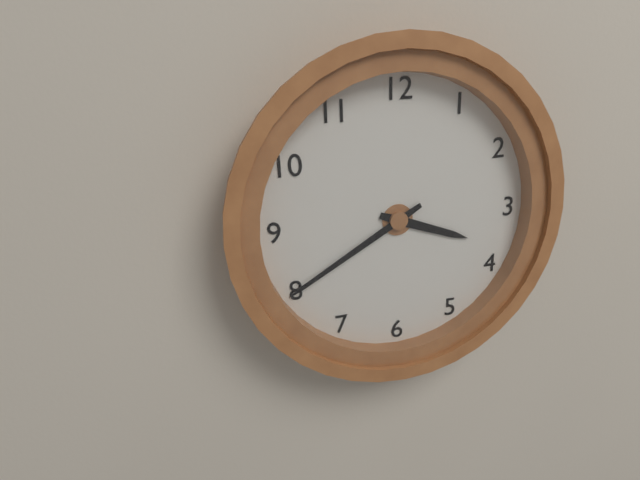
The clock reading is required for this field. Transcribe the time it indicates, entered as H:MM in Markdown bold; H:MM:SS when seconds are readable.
**3:40**
